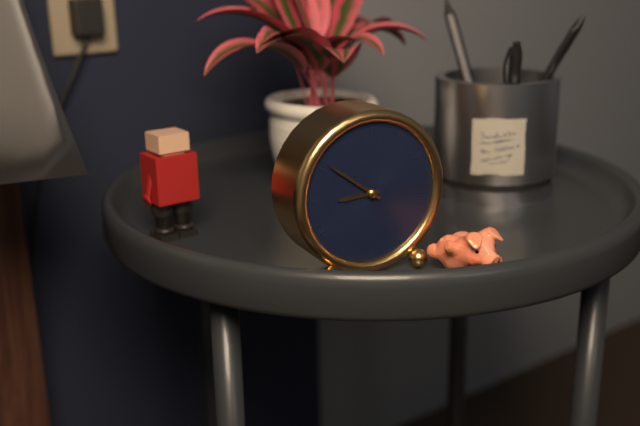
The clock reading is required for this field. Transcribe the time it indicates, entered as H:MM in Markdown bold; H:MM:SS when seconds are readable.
**8:51**
